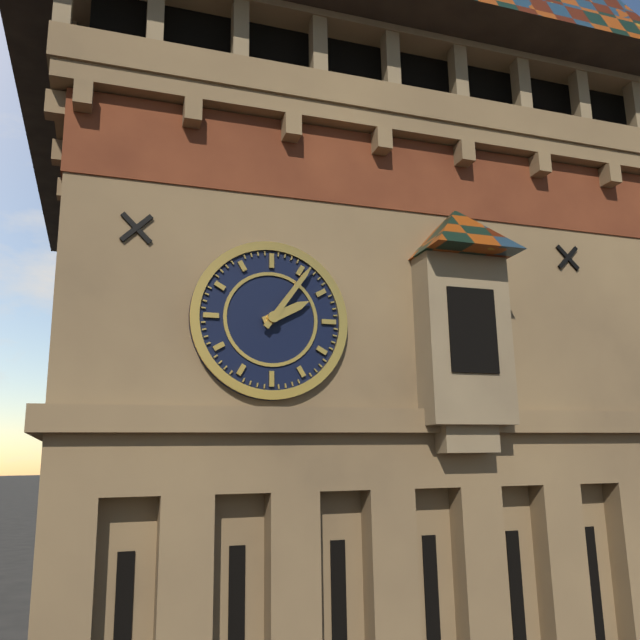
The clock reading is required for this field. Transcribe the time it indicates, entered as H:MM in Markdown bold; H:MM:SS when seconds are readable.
**2:06**
